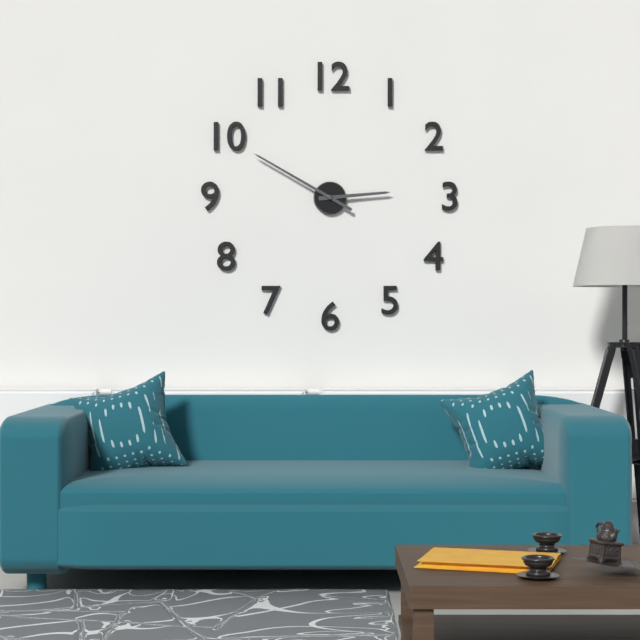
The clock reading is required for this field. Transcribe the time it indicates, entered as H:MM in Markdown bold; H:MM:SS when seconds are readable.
**2:50**
